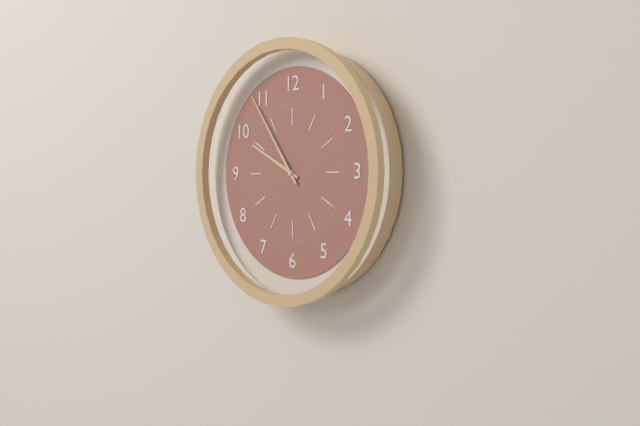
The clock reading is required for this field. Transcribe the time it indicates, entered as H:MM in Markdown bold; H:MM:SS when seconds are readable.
**9:54**
